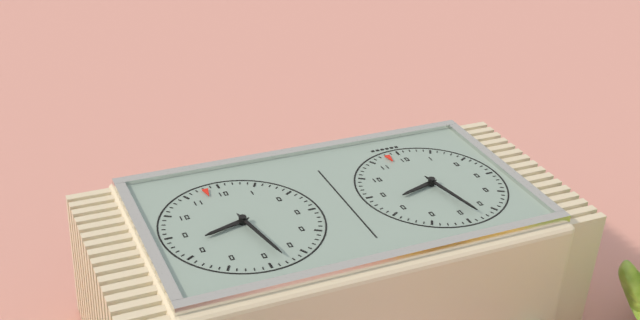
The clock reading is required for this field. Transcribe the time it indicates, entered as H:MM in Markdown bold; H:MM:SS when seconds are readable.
**8:28**
